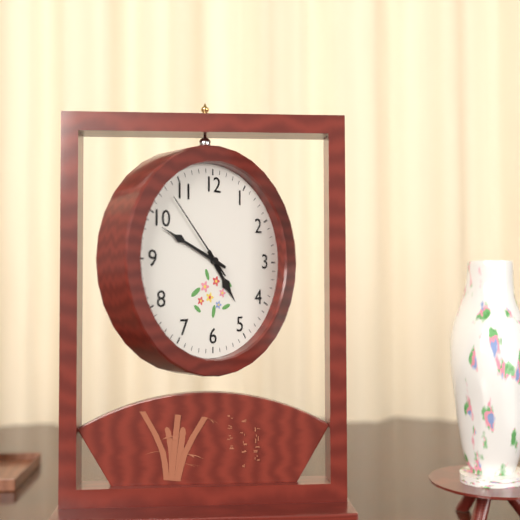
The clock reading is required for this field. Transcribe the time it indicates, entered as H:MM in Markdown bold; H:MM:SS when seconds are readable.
**4:49:53**
